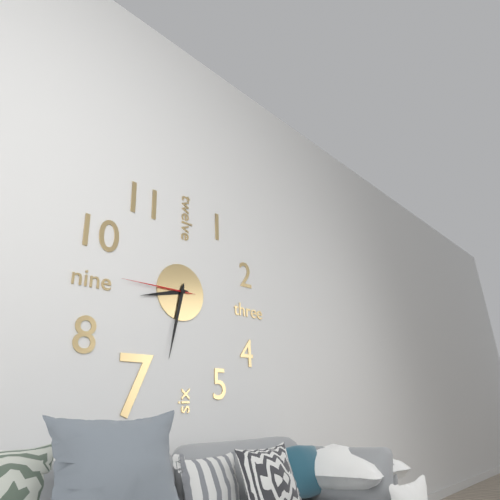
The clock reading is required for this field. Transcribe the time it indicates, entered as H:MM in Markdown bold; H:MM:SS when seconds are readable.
**8:32:45**
